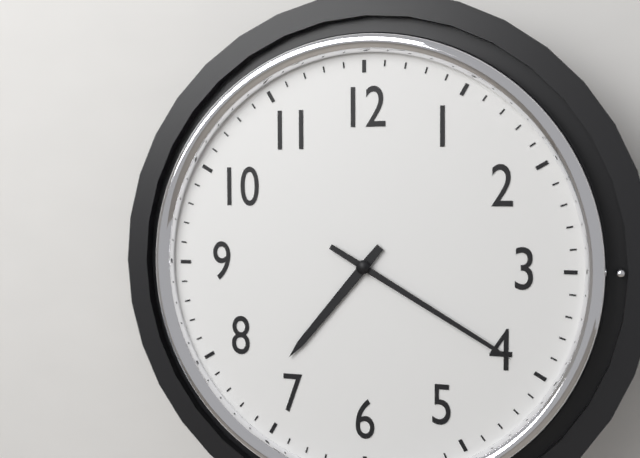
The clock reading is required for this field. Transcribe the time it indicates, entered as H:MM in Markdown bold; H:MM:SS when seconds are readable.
**7:20**
